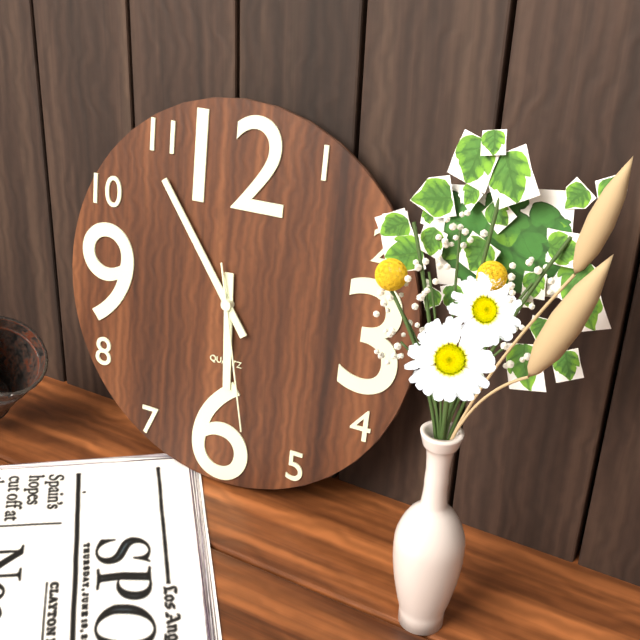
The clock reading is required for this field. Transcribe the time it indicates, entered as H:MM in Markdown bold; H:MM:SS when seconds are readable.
**5:54:28**
